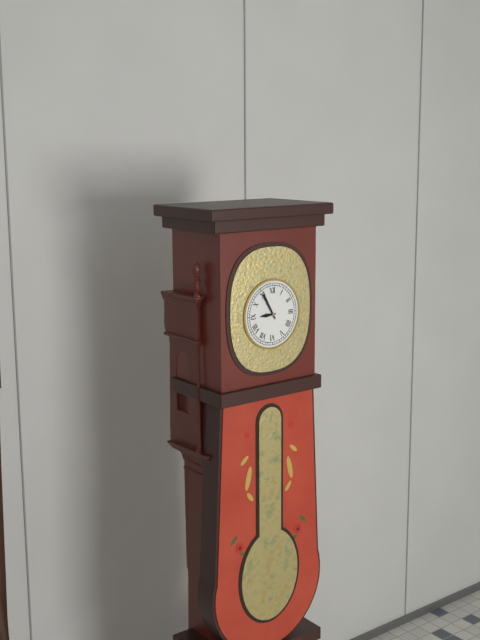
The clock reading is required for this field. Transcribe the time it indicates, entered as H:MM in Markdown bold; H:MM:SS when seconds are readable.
**8:55**
